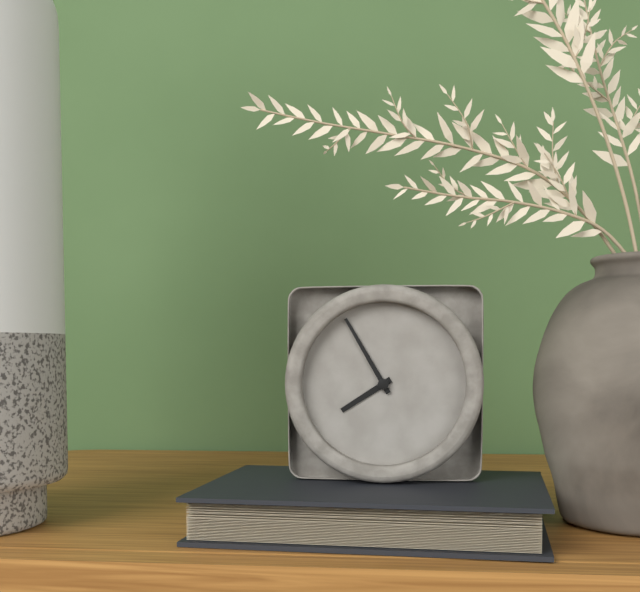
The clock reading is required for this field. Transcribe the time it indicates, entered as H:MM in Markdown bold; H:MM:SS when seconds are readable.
**7:55**
